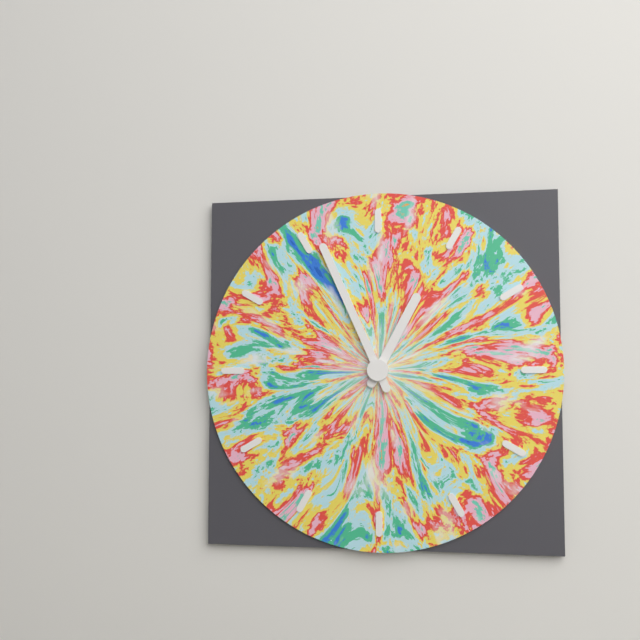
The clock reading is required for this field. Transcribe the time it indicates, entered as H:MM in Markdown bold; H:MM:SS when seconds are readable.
**12:56**
